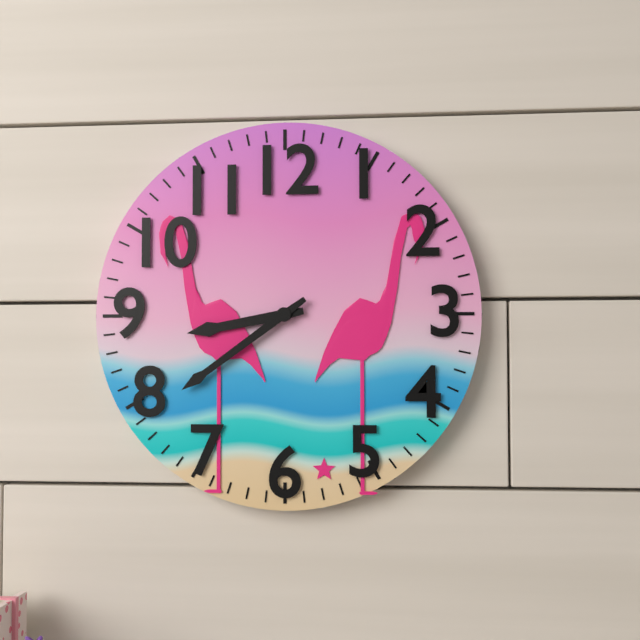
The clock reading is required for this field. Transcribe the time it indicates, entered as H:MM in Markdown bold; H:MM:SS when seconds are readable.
**8:39**
